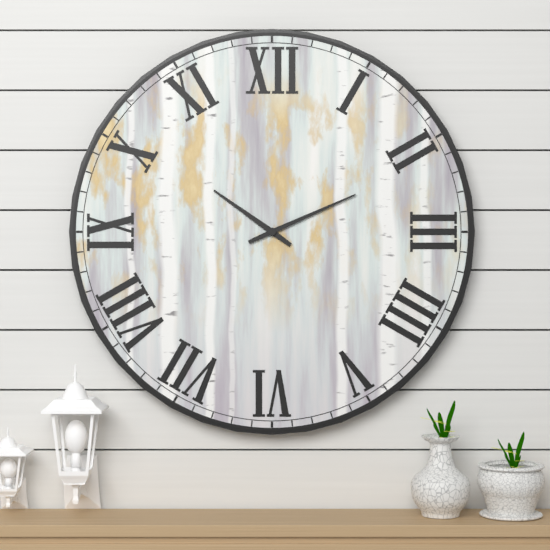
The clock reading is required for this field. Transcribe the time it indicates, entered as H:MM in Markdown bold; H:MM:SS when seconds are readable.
**10:11**
